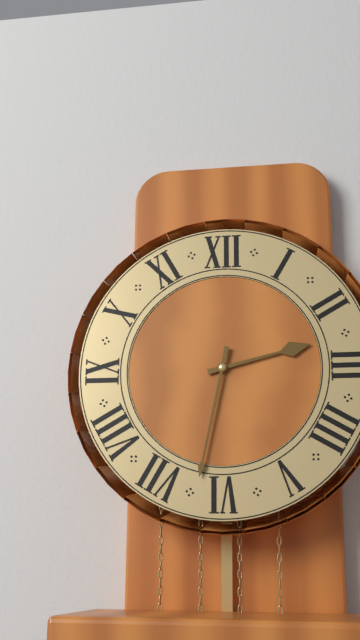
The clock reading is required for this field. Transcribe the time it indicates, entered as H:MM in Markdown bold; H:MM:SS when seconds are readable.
**2:32**
